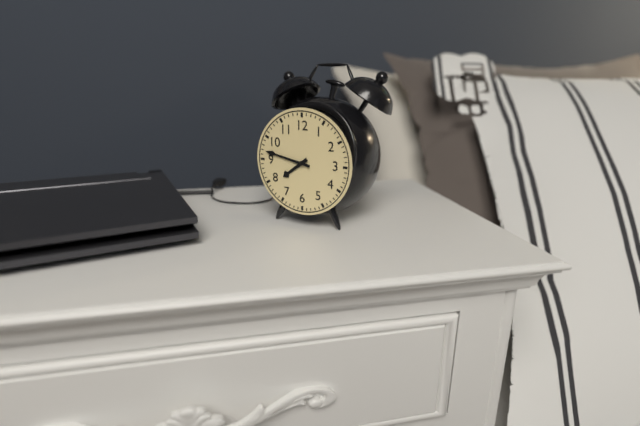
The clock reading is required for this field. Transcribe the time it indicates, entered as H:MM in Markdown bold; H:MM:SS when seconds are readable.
**7:47**
